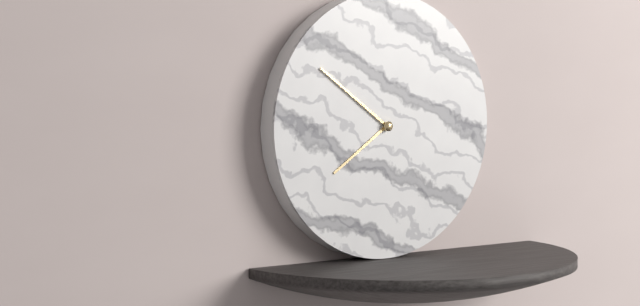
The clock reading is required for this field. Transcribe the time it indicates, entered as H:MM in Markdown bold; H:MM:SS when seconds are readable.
**7:51**
